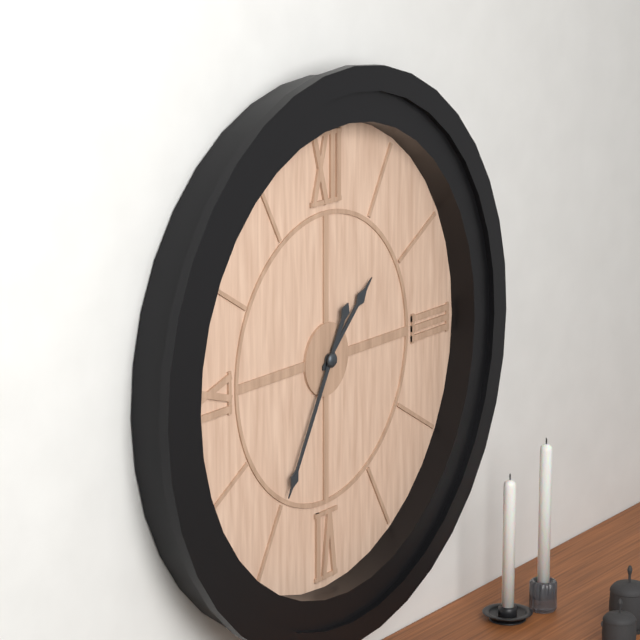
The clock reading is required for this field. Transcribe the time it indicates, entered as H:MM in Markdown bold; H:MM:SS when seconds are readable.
**1:35**
